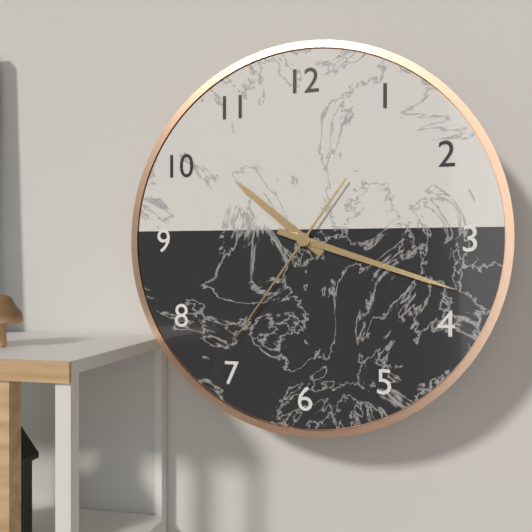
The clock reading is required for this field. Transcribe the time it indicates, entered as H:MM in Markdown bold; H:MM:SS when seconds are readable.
**10:18:36**
